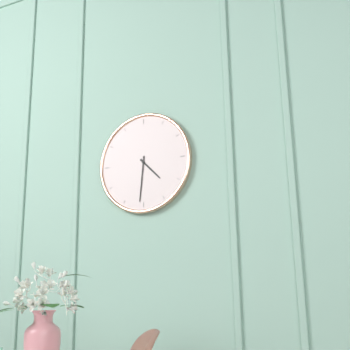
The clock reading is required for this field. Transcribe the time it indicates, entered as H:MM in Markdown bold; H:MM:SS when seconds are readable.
**4:31**
